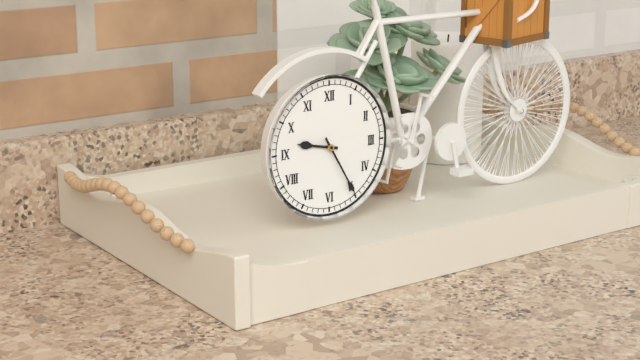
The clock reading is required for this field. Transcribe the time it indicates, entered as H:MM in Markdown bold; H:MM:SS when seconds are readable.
**9:25**
